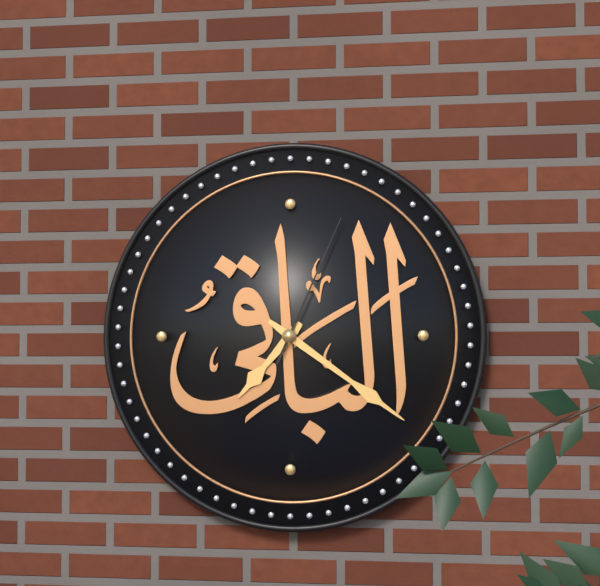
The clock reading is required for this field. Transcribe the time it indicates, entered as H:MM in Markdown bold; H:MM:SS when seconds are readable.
**7:21:04**
